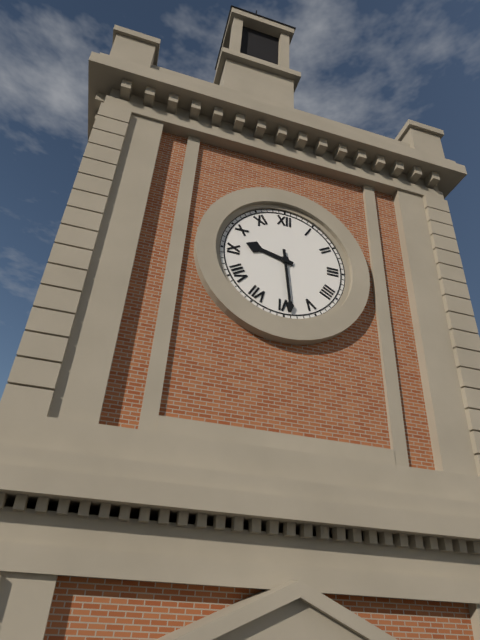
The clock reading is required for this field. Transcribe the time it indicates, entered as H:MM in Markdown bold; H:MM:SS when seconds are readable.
**9:29**
